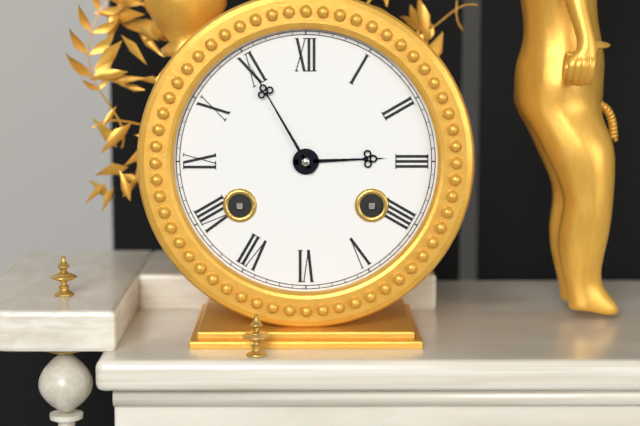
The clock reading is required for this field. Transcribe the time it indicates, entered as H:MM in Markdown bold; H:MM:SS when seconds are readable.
**2:55**
